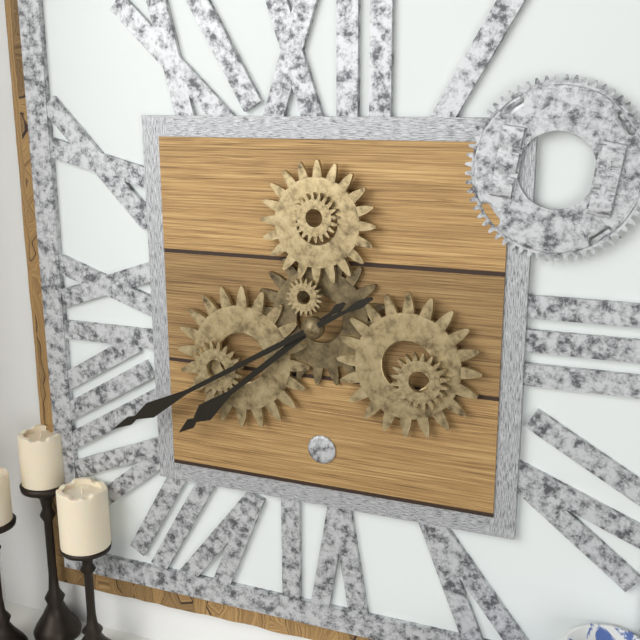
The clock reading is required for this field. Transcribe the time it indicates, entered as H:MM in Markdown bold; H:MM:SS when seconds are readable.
**7:40**
